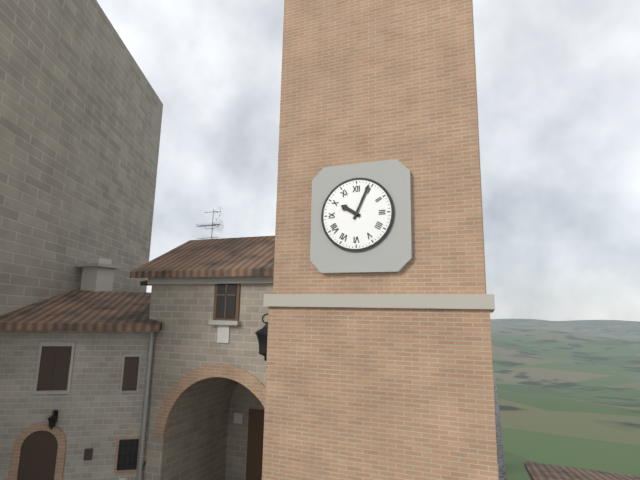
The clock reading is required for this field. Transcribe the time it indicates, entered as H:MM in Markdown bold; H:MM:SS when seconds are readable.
**10:04**
